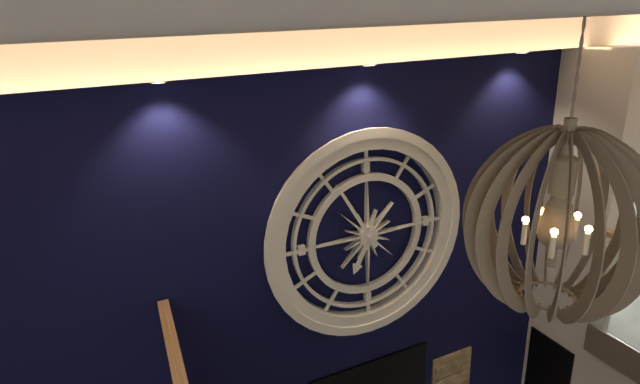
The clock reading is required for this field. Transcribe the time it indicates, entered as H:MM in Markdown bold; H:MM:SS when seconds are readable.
**6:55**
